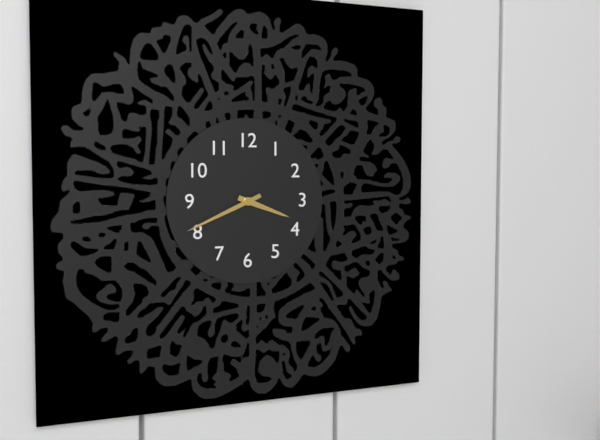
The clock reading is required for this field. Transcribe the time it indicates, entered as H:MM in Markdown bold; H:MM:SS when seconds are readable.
**3:41**
